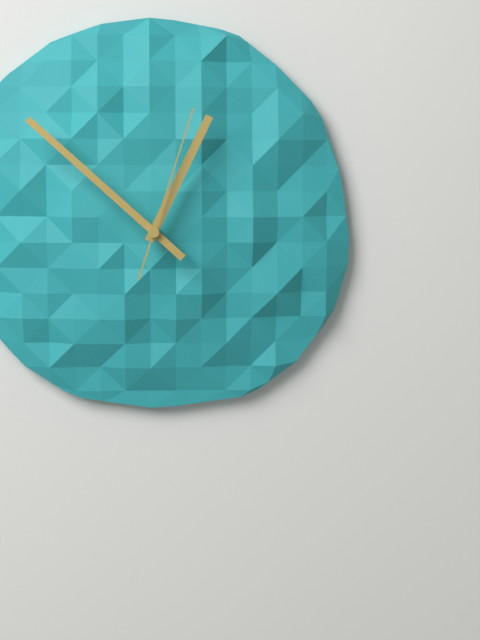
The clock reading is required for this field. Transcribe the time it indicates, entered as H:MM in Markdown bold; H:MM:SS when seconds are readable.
**12:52:03**
